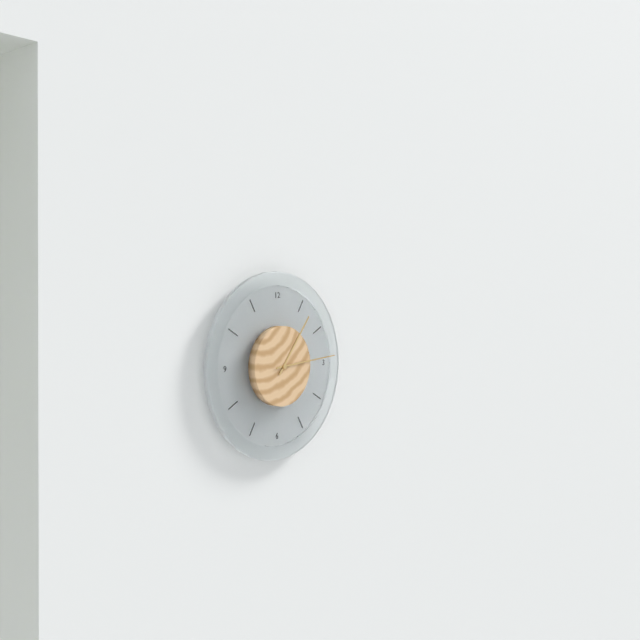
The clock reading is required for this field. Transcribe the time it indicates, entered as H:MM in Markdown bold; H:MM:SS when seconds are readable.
**1:14**
